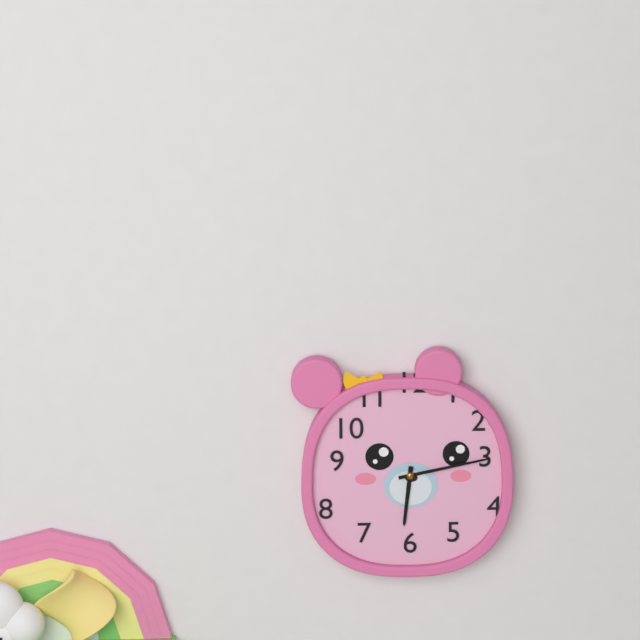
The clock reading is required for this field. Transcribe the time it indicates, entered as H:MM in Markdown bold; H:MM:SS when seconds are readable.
**6:13**
